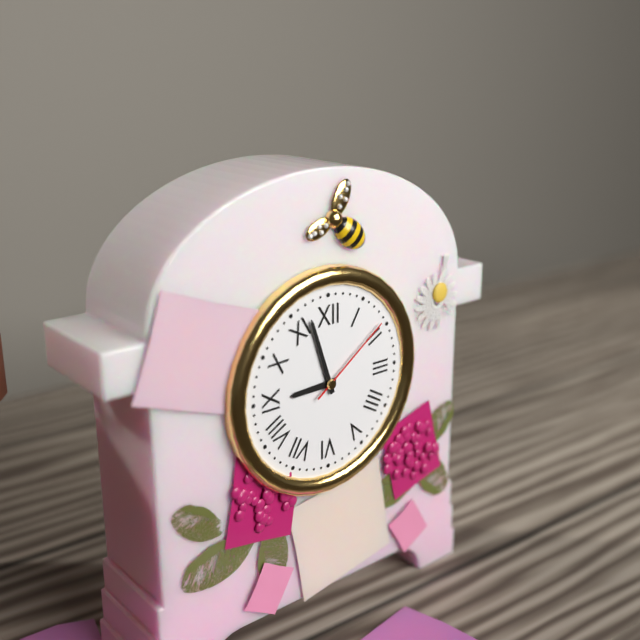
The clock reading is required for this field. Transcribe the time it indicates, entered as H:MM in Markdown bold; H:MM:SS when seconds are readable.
**8:57:09**
